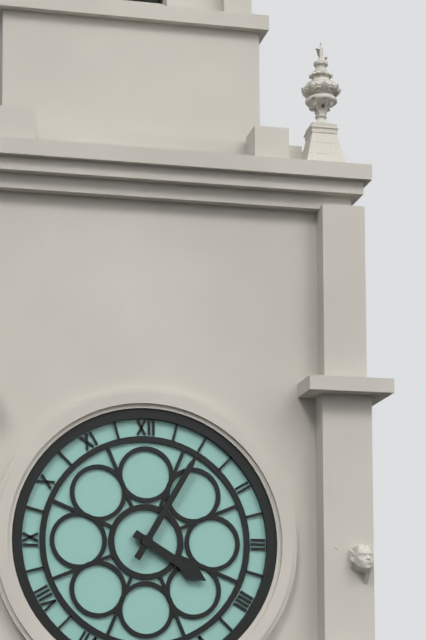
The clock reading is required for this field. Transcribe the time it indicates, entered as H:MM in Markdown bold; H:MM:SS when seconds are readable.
**4:05**
